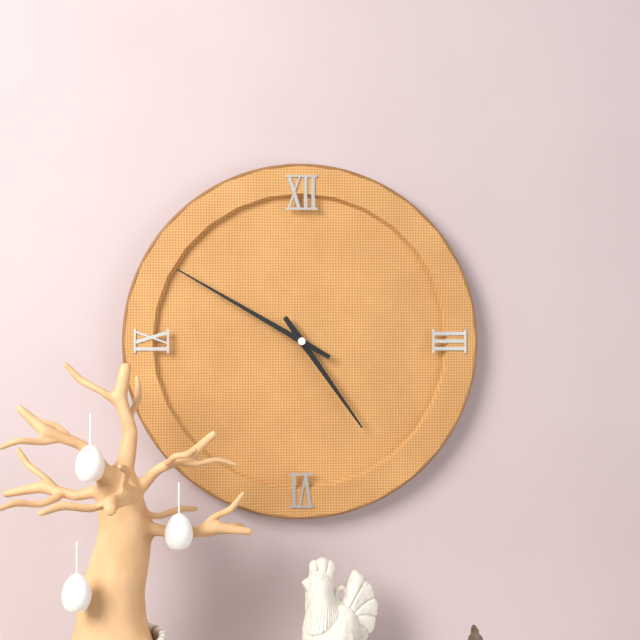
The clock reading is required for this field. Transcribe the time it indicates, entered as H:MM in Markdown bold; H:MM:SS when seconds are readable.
**4:50**
